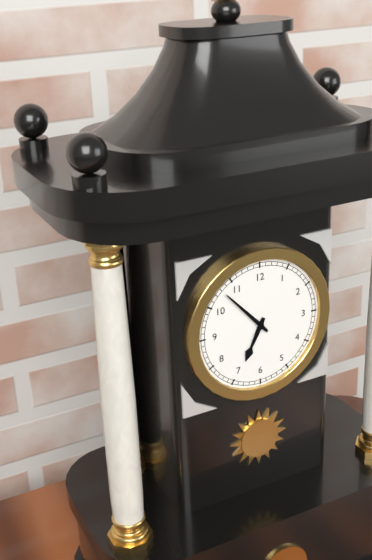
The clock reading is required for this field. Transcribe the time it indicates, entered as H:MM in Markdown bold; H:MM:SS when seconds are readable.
**6:53**
